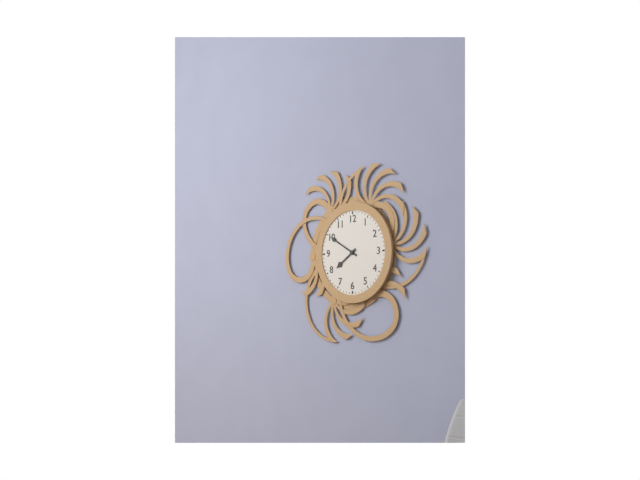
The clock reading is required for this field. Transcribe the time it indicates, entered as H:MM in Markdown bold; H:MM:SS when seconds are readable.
**7:50**
